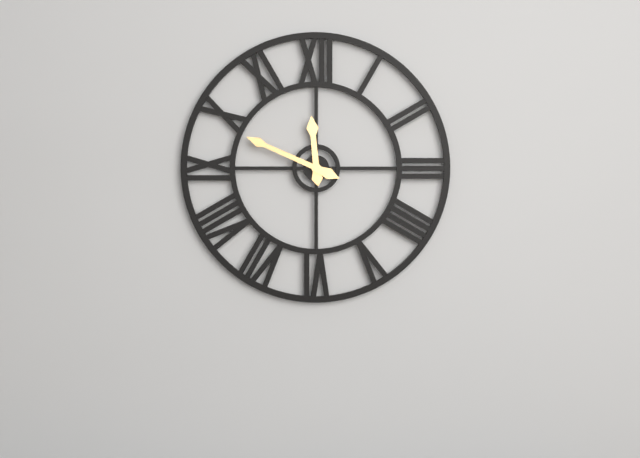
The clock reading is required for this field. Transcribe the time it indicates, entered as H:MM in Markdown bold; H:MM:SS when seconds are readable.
**11:49**
